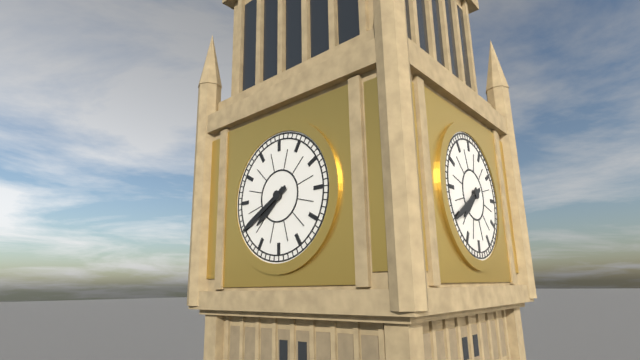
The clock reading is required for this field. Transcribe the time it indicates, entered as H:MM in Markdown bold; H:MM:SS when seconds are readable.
**7:40**
